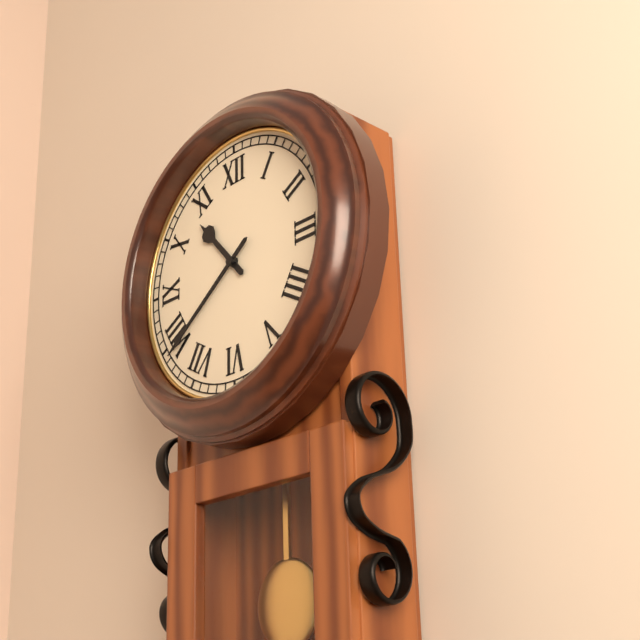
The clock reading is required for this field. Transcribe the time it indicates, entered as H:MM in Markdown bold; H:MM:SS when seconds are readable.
**10:39**
